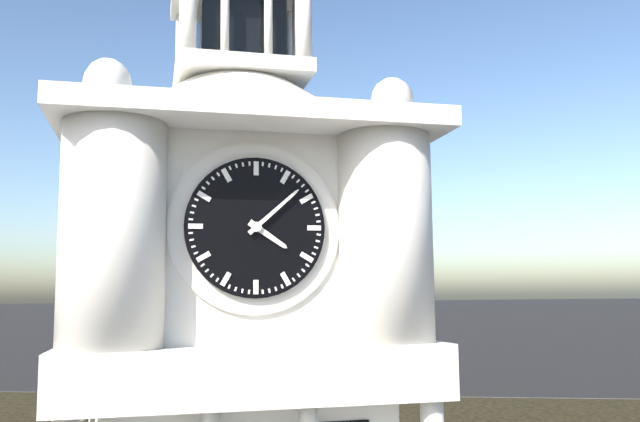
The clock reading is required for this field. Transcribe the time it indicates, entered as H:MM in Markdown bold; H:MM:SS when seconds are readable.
**4:08**
